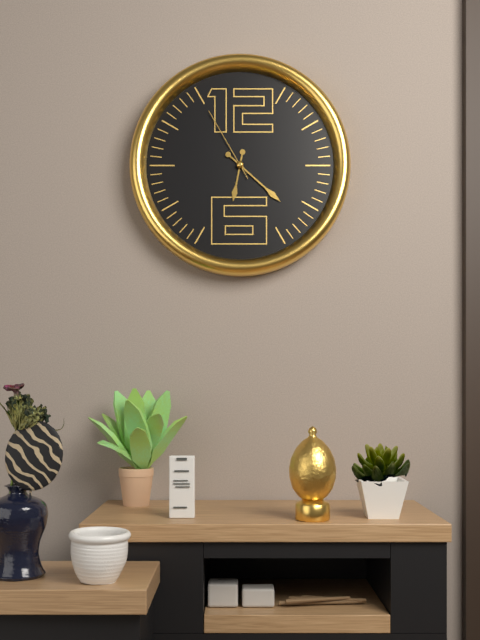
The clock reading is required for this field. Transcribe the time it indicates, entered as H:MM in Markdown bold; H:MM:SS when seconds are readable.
**6:22:55**
